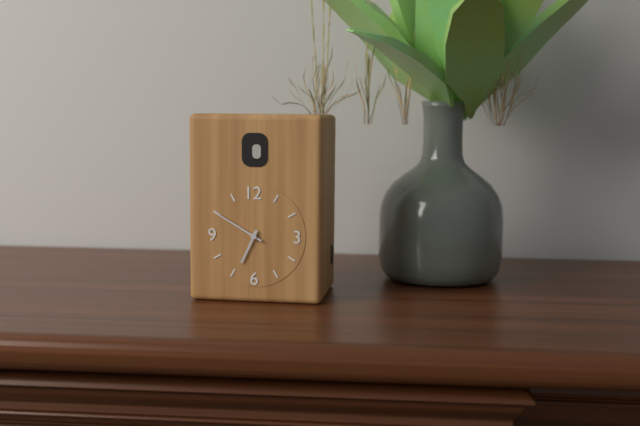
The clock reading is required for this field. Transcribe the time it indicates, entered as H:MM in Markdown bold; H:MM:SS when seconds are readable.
**6:50**
